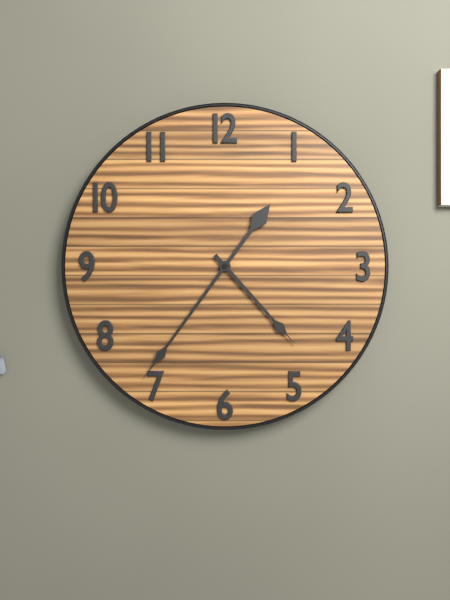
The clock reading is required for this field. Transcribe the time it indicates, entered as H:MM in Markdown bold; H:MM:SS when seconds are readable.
**4:36**
